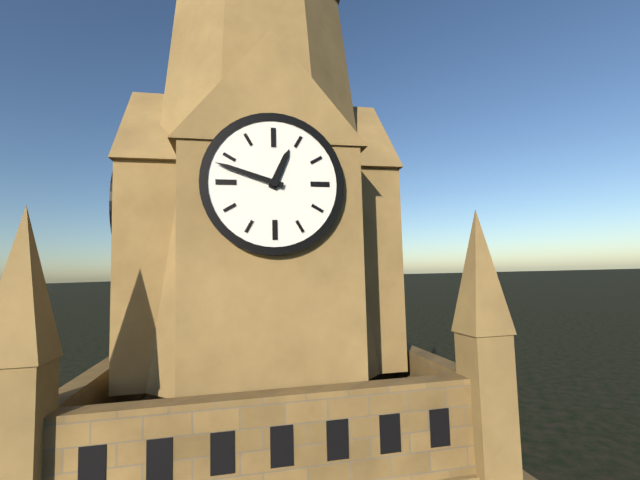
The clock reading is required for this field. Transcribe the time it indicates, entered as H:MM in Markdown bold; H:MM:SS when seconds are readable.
**12:48**
